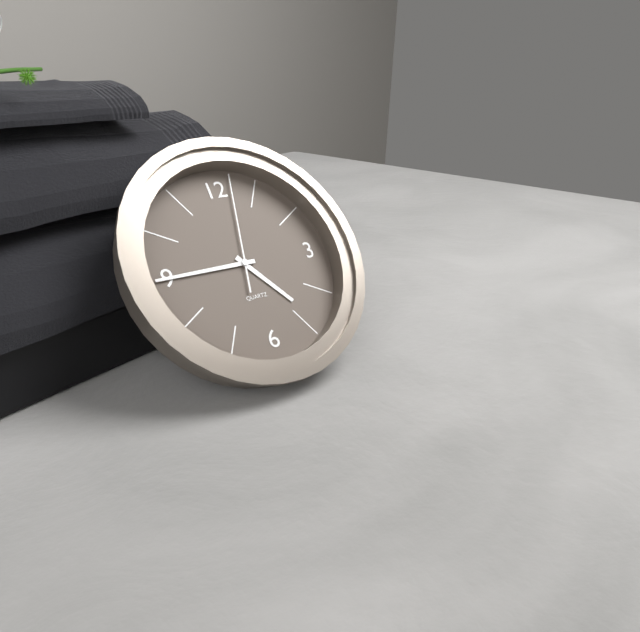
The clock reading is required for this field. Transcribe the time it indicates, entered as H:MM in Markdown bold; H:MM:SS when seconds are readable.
**4:45:02**
